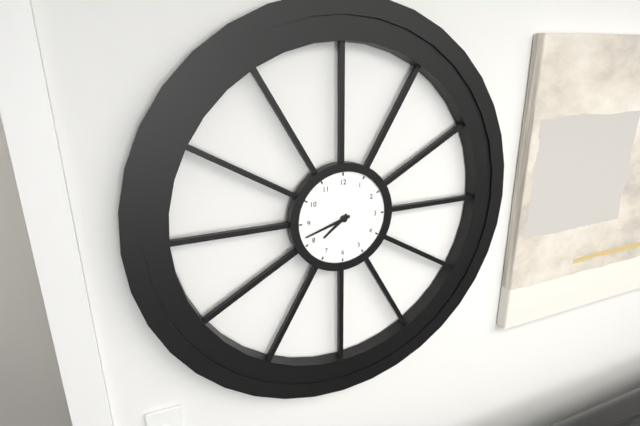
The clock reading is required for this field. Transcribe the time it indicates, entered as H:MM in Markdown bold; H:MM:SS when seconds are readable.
**7:42**
